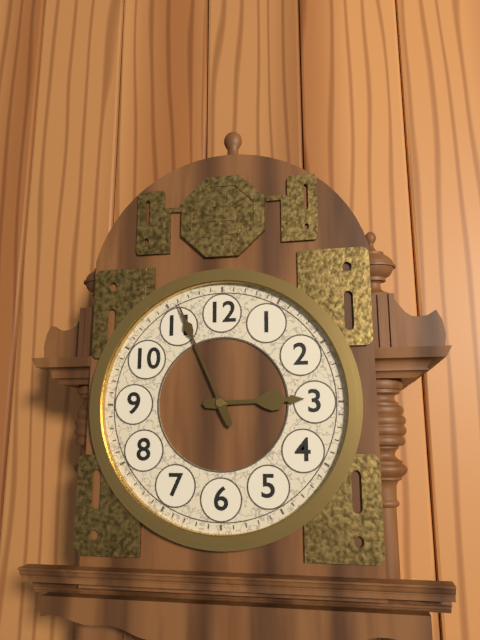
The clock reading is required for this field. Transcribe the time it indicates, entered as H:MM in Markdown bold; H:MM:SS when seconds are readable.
**2:56**
